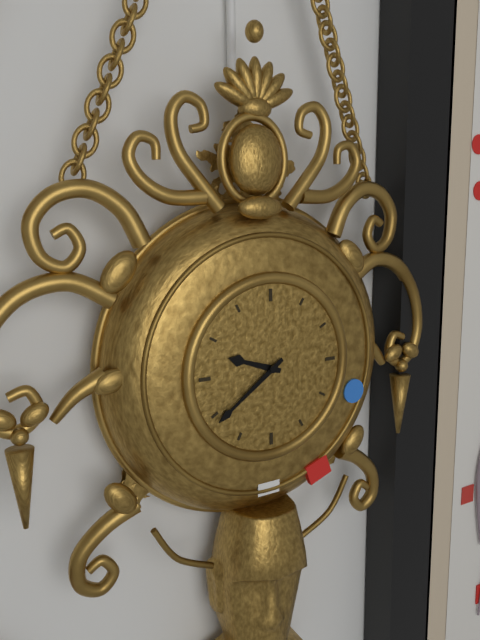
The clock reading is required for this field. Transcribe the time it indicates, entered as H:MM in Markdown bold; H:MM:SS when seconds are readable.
**9:39**
